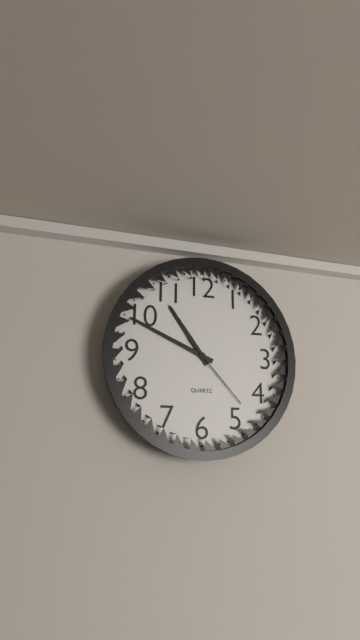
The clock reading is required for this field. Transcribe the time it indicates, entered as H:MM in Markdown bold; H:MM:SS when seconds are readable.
**10:49:23**
